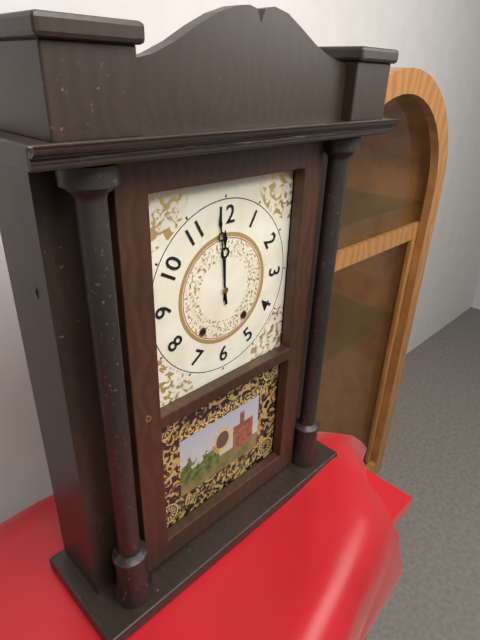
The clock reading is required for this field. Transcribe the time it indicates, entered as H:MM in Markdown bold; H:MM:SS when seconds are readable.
**11:59**
